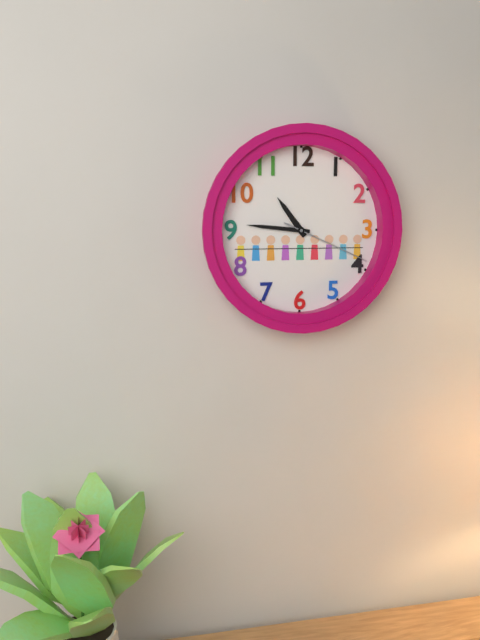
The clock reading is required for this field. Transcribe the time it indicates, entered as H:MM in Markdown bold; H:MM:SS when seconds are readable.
**10:46:19**
